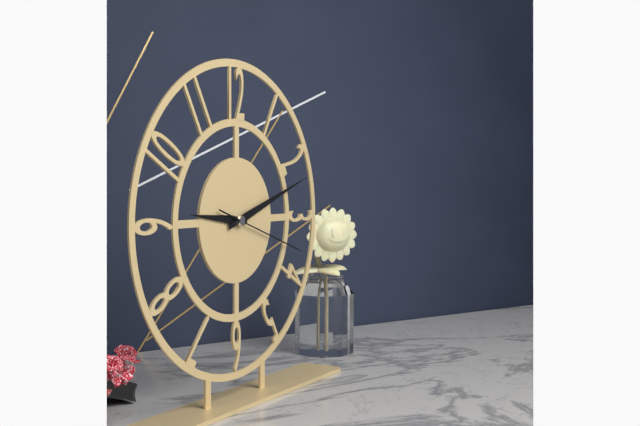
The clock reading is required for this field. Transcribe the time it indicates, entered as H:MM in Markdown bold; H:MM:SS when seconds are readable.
**9:12:18**
